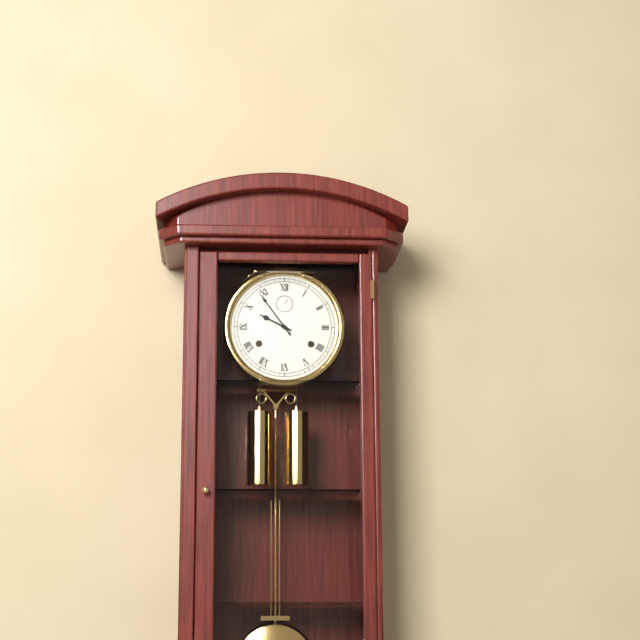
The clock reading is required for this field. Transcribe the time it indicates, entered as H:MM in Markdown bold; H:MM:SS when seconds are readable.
**9:54**
